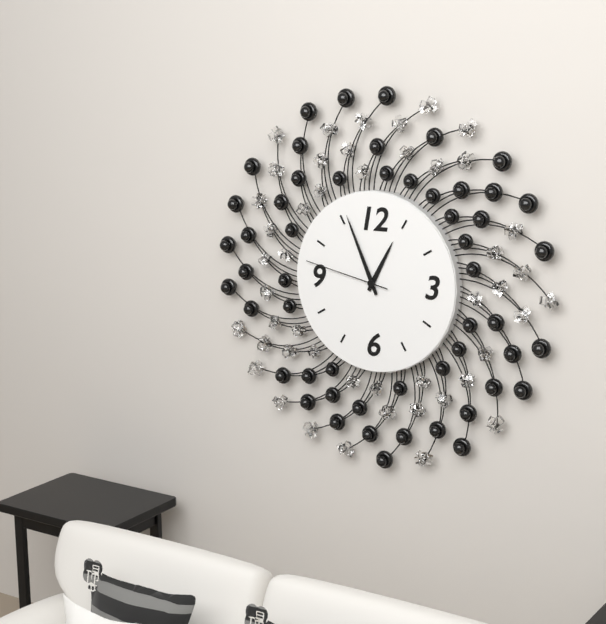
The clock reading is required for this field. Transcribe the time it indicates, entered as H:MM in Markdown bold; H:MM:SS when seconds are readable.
**12:56:47**
